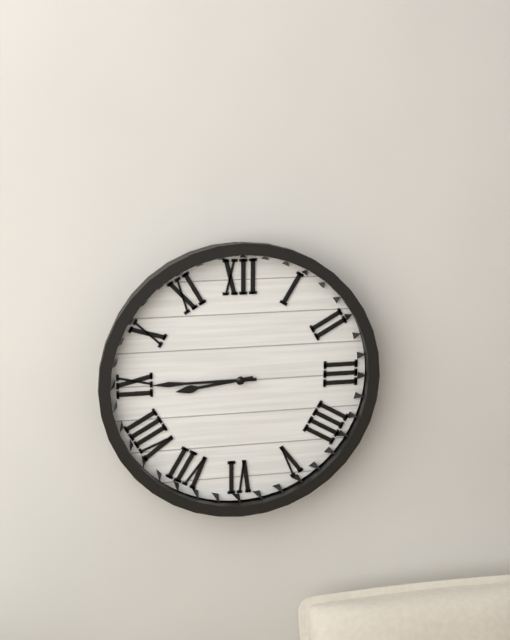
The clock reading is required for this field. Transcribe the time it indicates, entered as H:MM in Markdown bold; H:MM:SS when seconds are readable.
**8:45**
